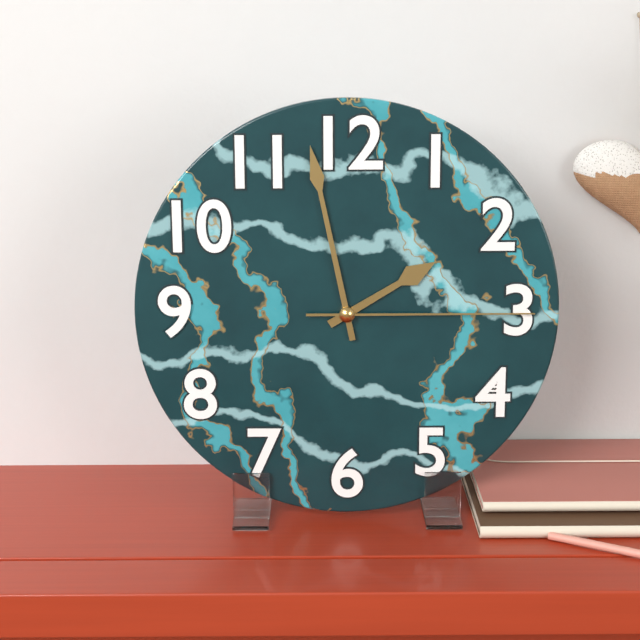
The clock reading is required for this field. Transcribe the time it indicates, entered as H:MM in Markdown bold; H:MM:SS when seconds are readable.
**1:58:15**
